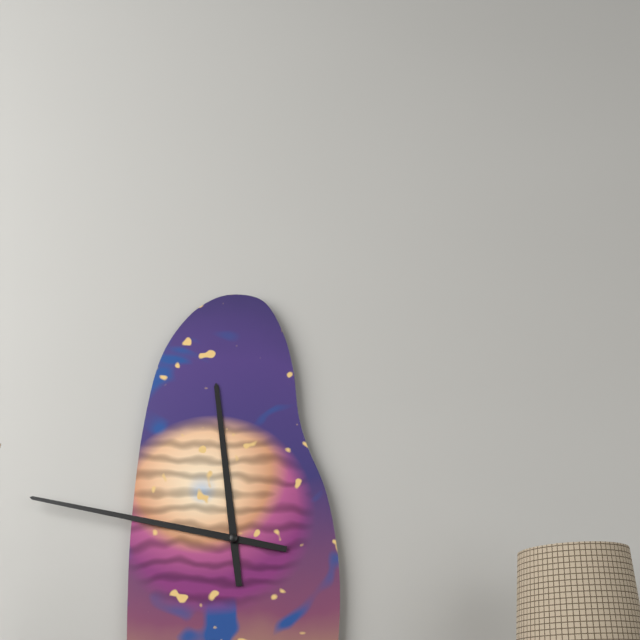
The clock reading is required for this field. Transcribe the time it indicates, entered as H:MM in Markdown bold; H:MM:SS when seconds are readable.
**11:47**
